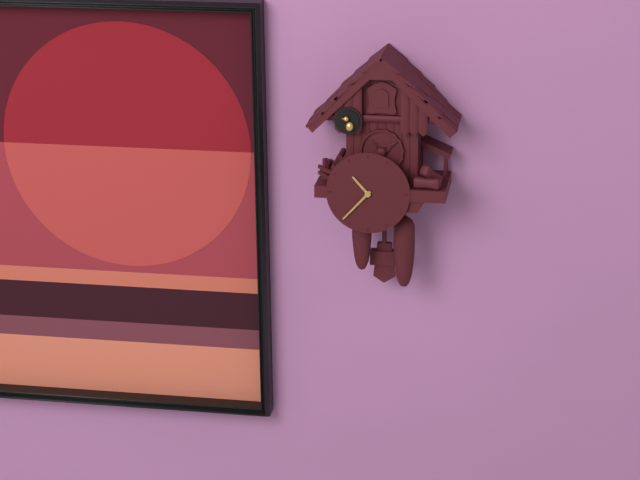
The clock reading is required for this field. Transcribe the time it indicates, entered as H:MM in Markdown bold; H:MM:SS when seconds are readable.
**10:37**
